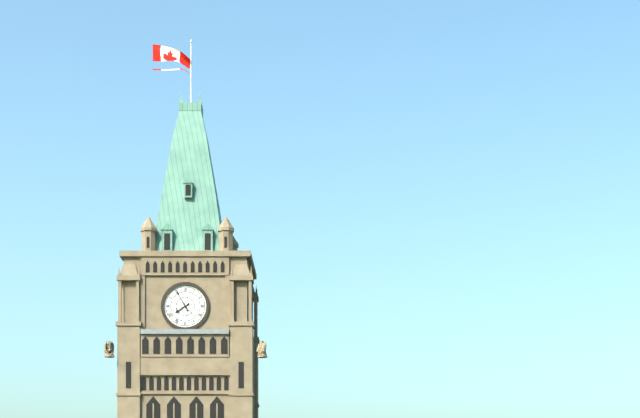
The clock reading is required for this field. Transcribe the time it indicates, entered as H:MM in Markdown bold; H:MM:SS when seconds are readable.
**7:55**
